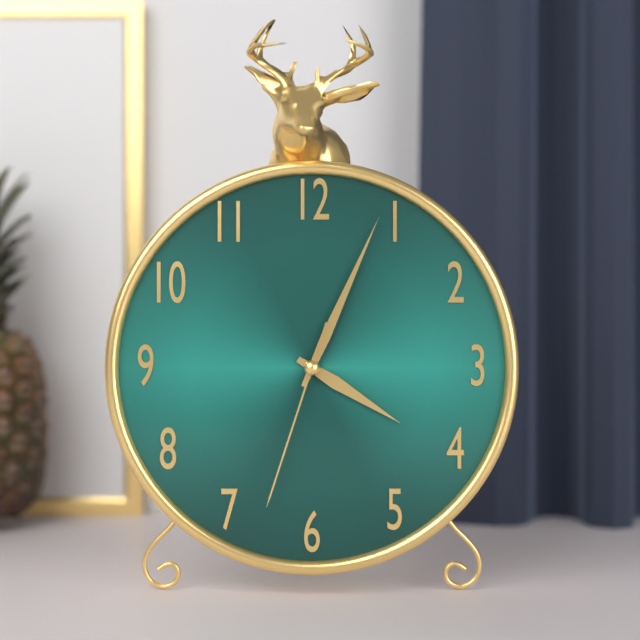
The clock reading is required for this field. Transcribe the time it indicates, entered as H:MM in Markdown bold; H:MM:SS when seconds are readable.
**4:04:33**
